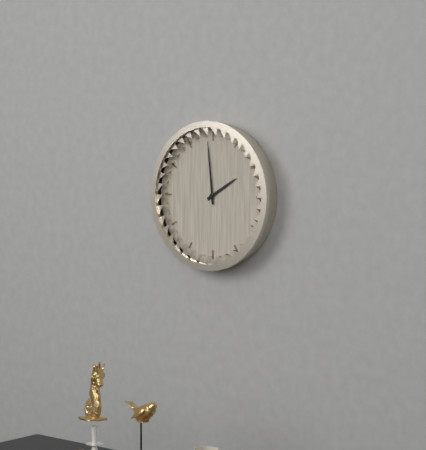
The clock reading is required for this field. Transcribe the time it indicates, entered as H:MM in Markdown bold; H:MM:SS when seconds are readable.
**1:59**
